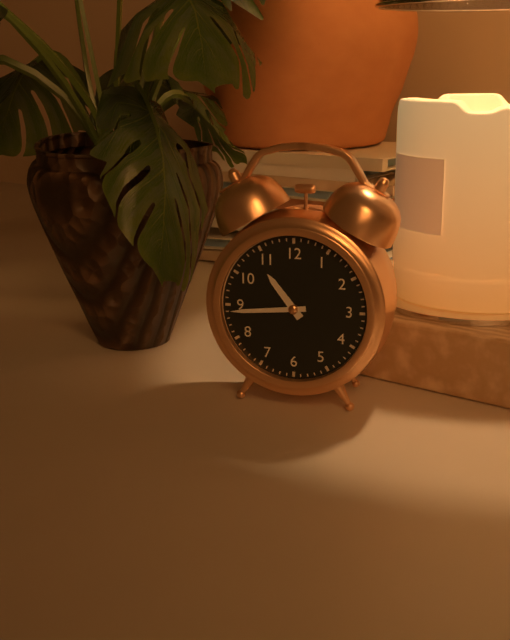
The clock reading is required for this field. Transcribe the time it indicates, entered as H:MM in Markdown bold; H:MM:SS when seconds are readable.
**10:44**
